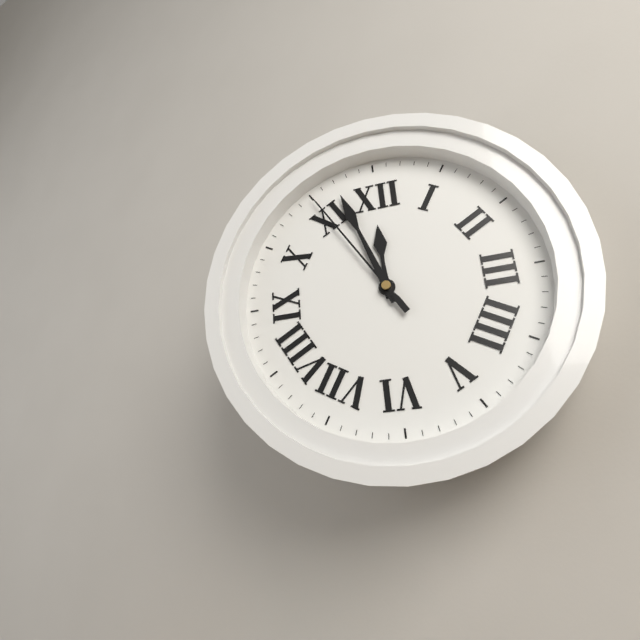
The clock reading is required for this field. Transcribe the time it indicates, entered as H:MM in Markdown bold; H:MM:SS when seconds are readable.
**11:57:55**
